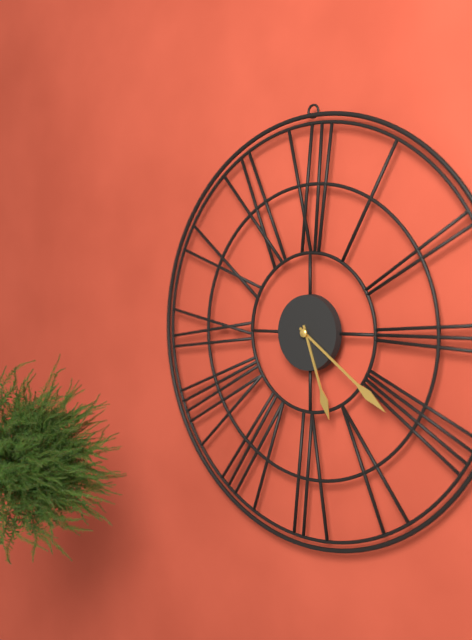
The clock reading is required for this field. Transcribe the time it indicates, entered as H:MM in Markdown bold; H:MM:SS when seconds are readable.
**5:21**
